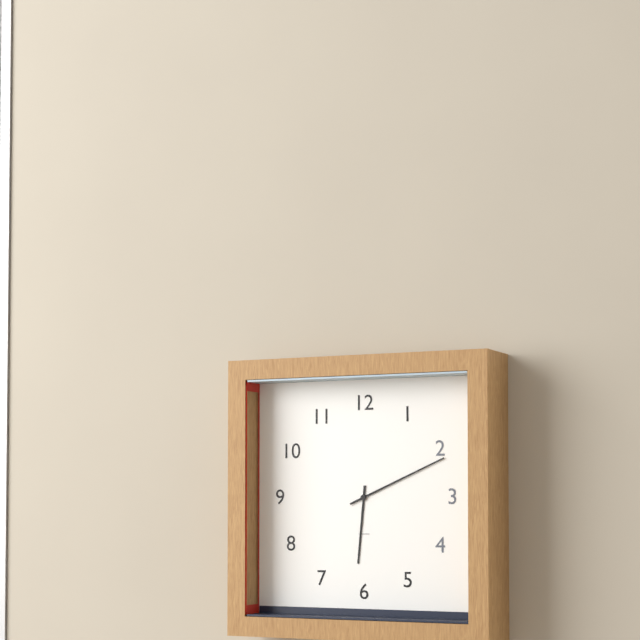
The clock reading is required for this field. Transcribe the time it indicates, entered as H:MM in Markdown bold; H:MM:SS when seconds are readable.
**6:11**
